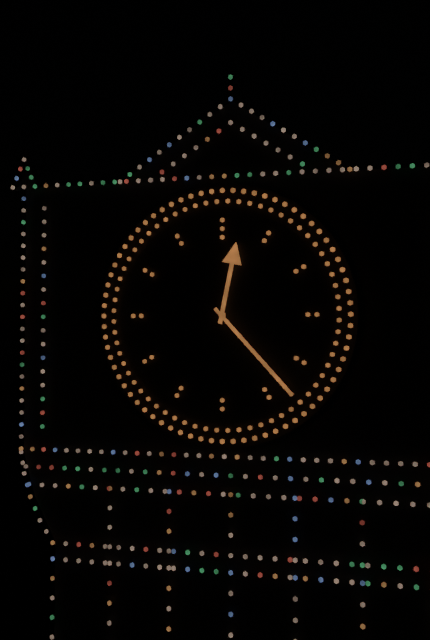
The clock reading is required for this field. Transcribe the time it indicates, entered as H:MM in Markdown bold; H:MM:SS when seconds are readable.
**12:23**
